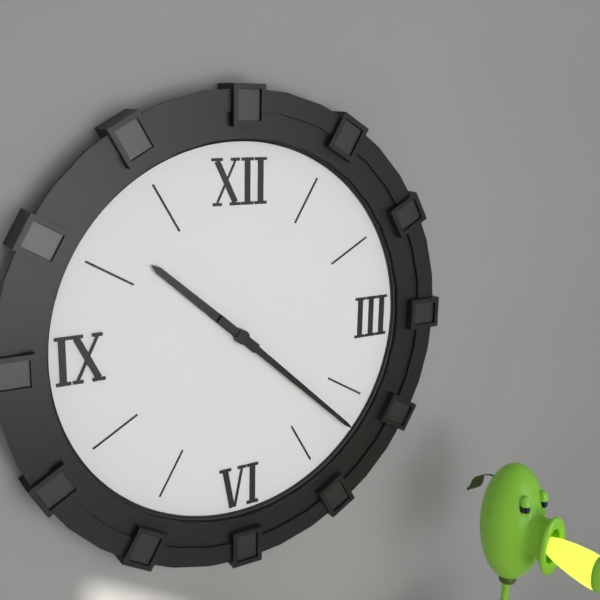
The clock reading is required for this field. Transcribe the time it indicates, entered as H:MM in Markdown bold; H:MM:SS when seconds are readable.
**10:22**
